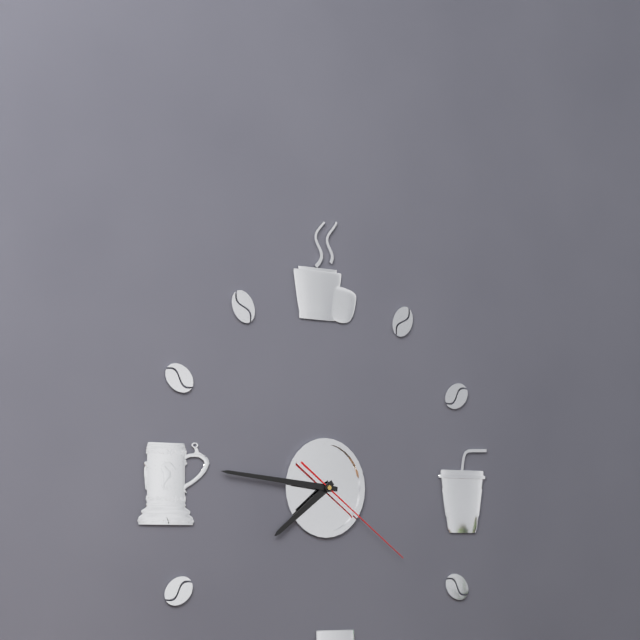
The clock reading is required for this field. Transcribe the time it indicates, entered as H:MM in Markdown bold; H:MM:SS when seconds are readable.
**7:46:21**
